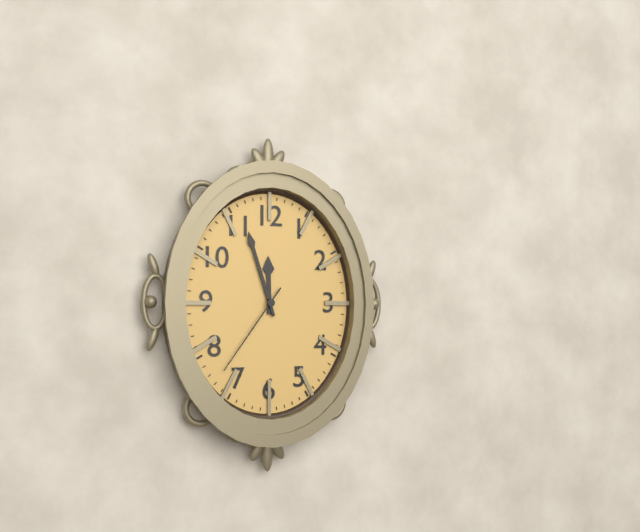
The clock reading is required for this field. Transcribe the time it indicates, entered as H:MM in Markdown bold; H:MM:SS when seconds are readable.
**11:57:36**
